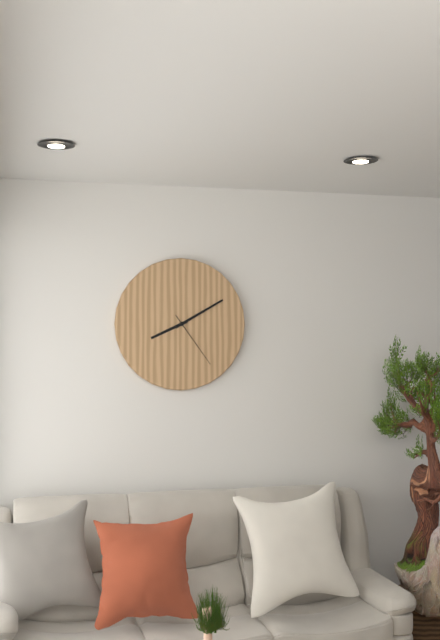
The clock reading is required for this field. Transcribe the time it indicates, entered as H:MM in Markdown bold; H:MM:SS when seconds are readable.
**8:10:24**
